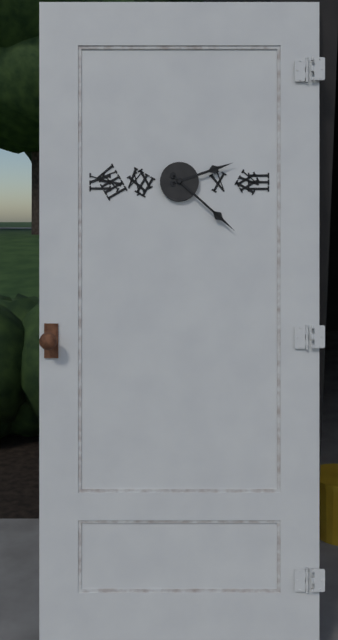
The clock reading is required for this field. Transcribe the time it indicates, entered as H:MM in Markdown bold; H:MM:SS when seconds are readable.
**2:22**
